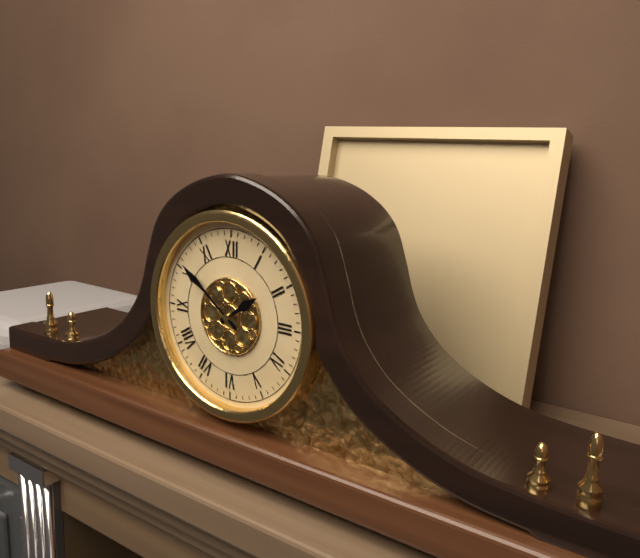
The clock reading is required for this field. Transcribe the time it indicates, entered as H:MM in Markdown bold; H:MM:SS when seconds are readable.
**1:51**
